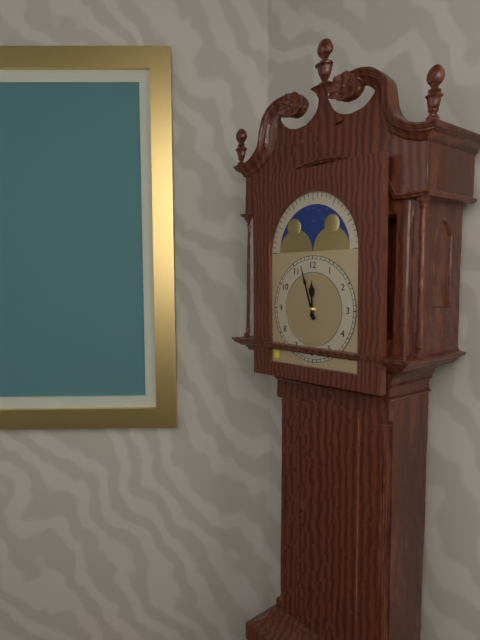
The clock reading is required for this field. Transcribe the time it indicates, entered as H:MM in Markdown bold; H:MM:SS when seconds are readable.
**11:57**
